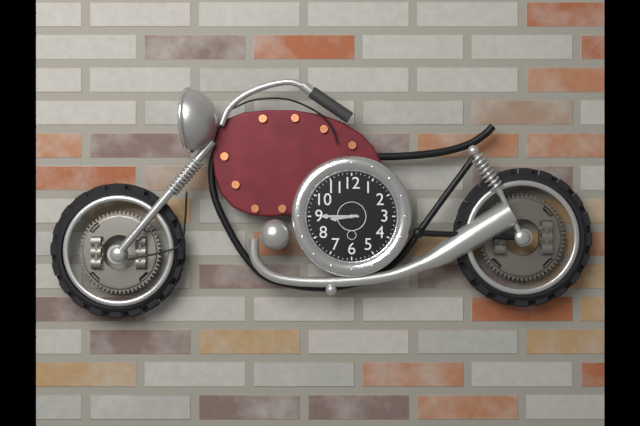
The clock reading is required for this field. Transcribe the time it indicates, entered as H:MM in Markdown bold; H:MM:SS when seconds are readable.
**8:45**
